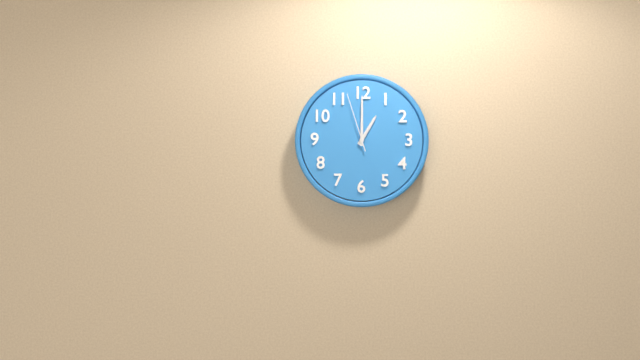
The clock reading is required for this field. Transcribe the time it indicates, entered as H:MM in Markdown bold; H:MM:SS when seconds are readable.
**1:00:57**
